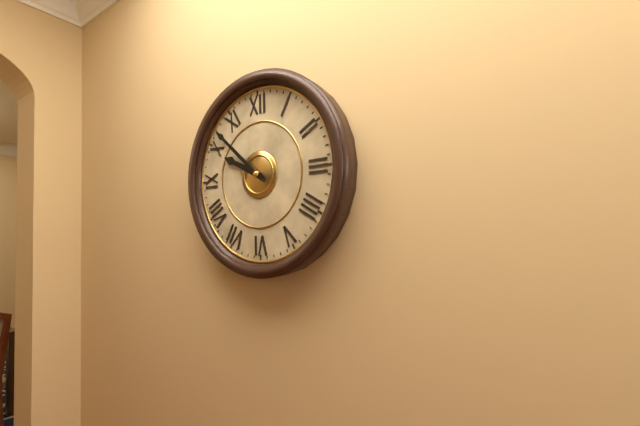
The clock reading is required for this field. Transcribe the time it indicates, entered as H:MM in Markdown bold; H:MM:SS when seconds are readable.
**9:52**
